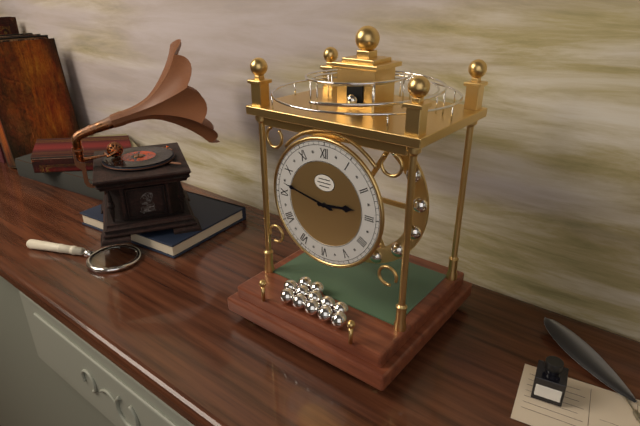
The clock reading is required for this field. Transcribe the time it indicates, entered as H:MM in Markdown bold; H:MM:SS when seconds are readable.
**2:47**
